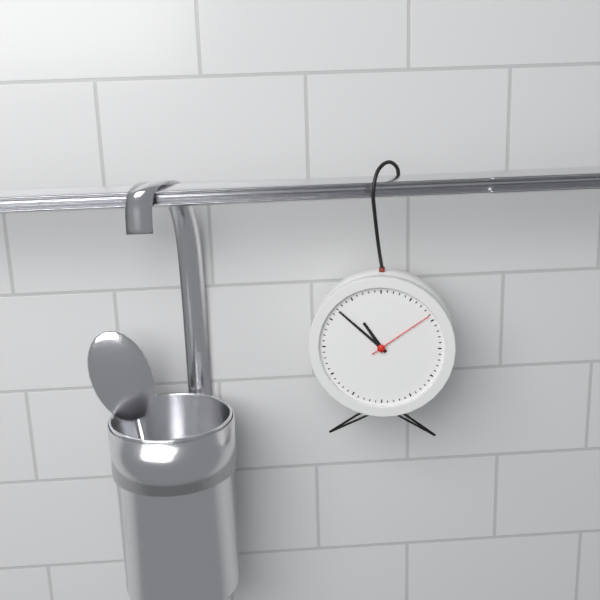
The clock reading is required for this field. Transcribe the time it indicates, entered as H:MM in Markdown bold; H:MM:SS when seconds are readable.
**10:52:09**
